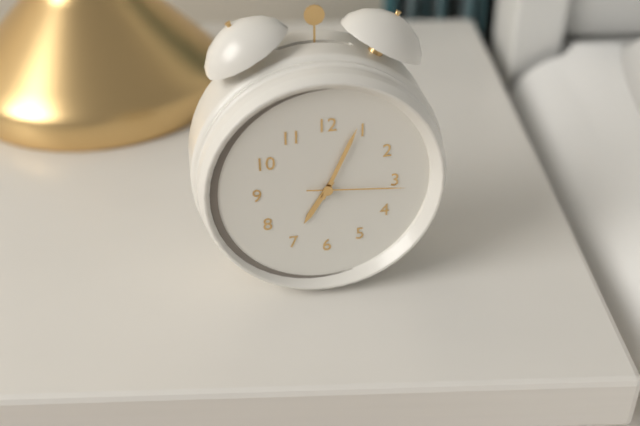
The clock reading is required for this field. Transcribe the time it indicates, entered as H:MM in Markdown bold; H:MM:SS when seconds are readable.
**7:04:16**
